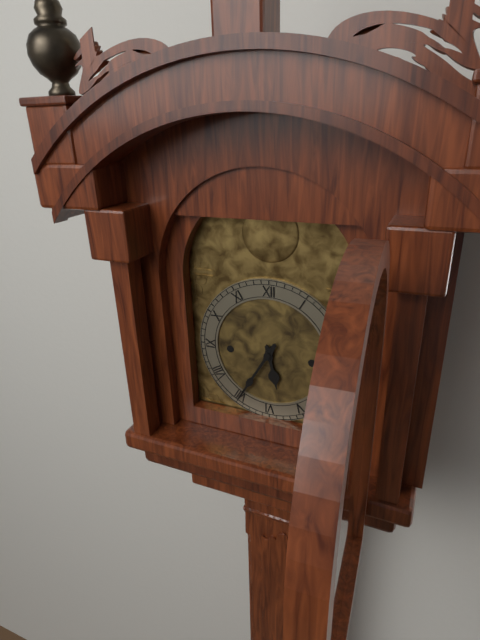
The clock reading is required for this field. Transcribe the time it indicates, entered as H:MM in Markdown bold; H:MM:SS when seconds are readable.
**5:35**
